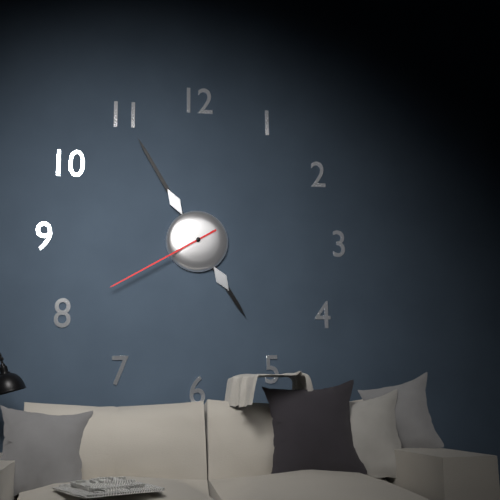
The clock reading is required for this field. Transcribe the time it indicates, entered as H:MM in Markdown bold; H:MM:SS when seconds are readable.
**4:55:40**
